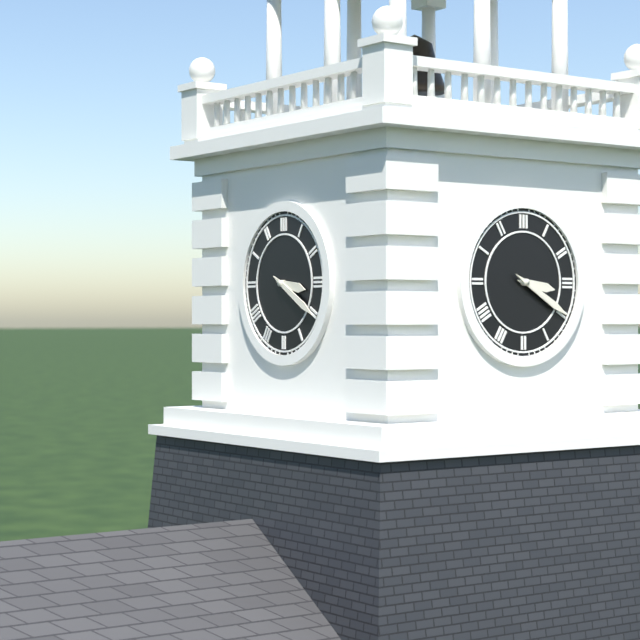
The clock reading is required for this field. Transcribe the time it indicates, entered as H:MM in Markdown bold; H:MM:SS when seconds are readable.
**3:20**
